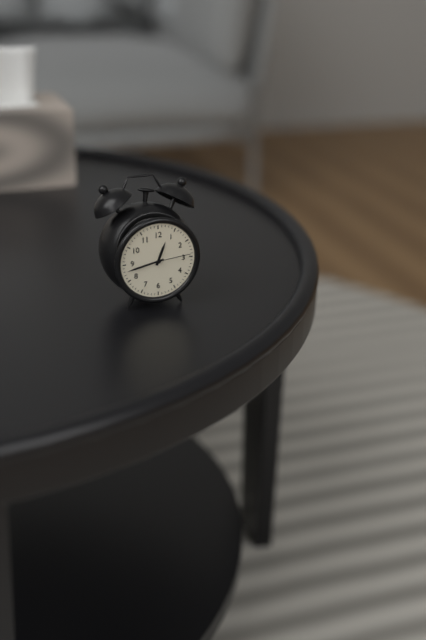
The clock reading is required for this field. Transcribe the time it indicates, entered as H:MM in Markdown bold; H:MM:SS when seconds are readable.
**12:43**
